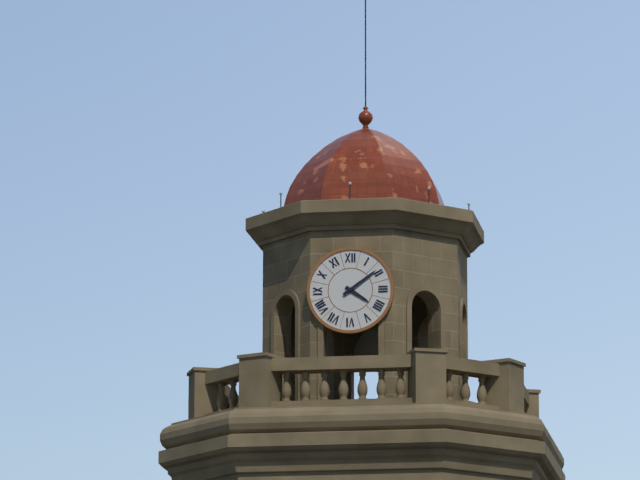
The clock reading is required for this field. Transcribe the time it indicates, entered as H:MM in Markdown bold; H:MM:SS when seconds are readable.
**4:09**
